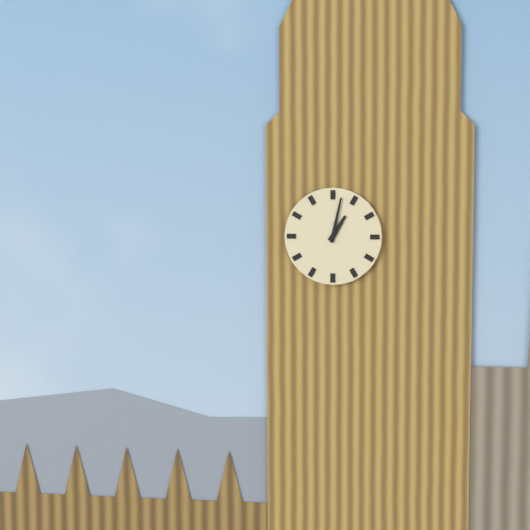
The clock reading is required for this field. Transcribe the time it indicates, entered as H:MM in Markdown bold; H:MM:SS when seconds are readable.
**1:02**
